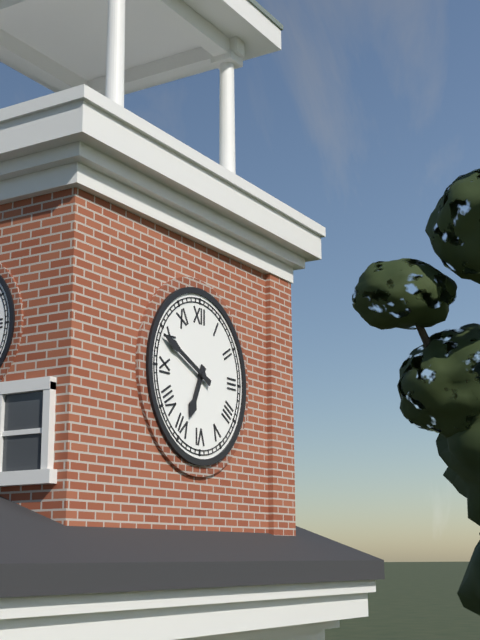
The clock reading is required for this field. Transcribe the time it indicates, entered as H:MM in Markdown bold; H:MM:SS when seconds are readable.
**6:49**
